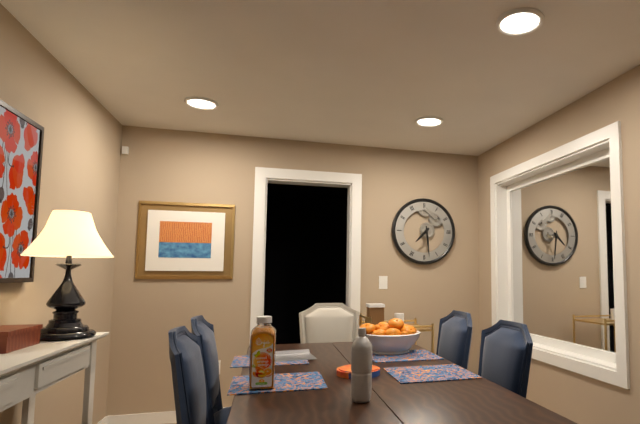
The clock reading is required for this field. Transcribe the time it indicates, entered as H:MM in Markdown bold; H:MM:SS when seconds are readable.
**7:29**
